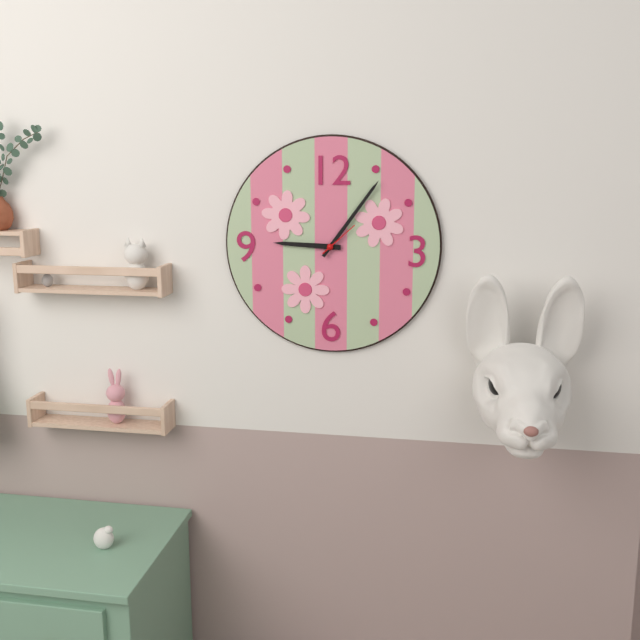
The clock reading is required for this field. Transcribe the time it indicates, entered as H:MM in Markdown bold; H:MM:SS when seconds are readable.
**9:06**
